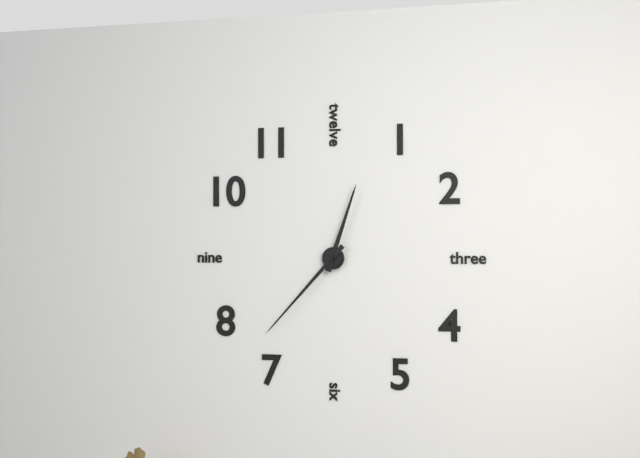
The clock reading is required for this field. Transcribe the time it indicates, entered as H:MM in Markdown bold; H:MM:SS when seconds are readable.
**12:37**
